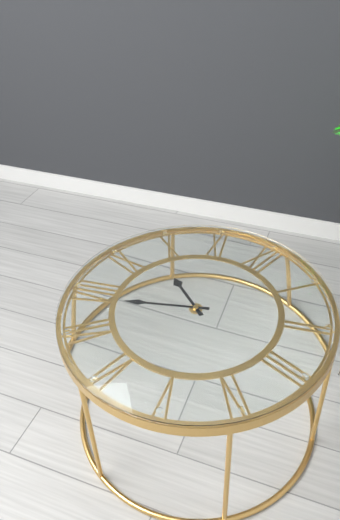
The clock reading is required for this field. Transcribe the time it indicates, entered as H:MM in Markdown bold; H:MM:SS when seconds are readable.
**9:39**
